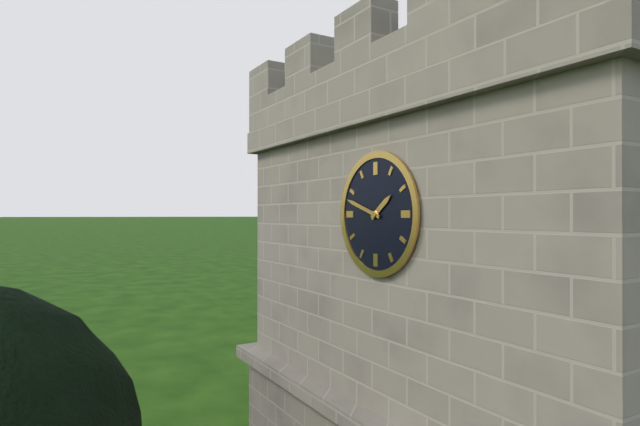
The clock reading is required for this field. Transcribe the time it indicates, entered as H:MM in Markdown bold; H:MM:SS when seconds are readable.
**1:48**
